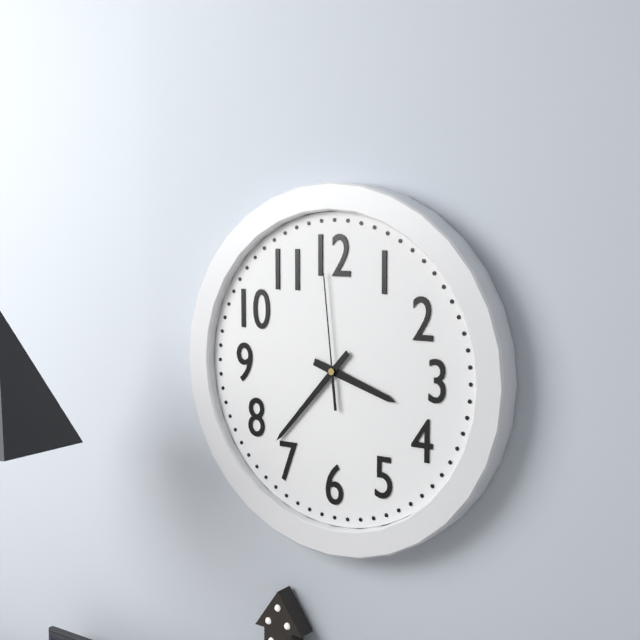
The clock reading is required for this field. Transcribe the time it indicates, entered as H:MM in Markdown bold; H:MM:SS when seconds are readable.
**3:37:59**
